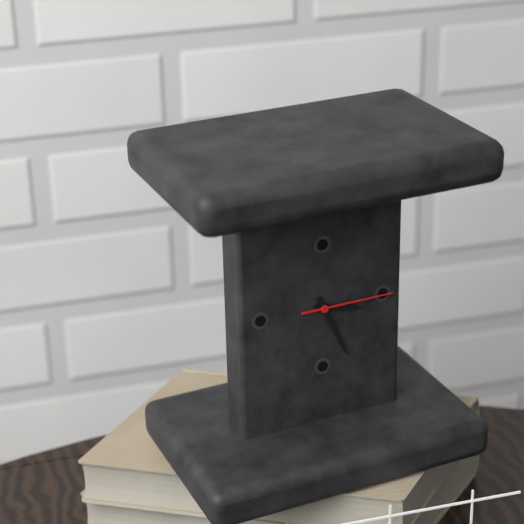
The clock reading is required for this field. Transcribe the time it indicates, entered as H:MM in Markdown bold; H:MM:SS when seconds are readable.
**3:26:15**
